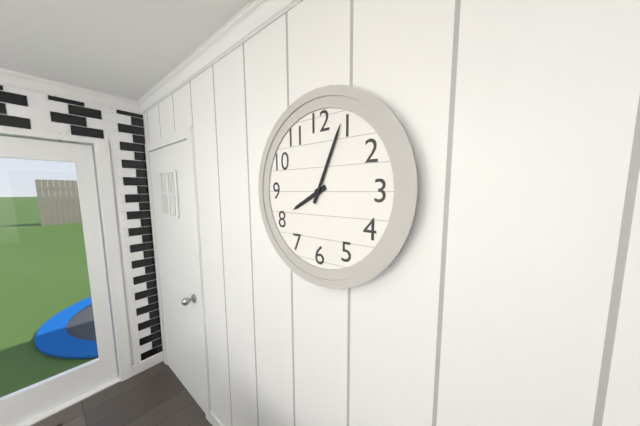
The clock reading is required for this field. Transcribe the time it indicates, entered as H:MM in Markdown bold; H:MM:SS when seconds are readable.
**8:04**
